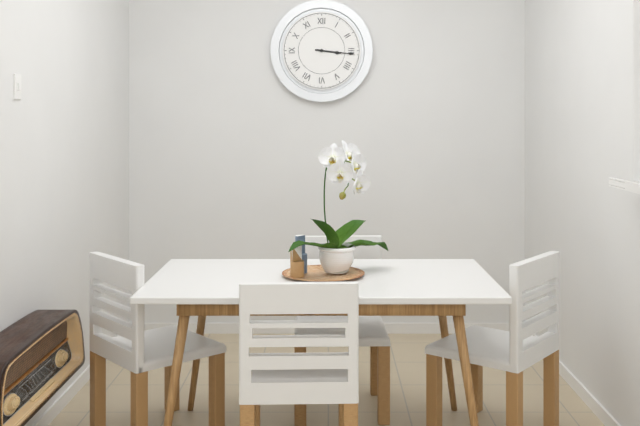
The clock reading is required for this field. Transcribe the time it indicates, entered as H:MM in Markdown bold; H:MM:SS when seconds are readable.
**3:16**
